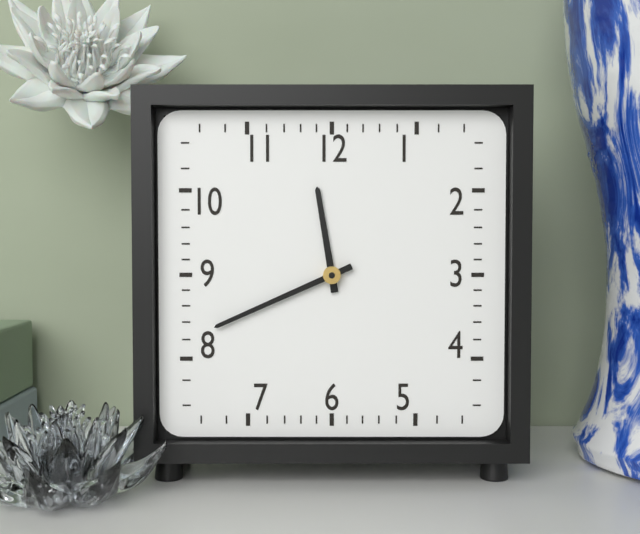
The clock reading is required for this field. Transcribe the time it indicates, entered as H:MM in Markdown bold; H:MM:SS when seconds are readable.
**11:41**
